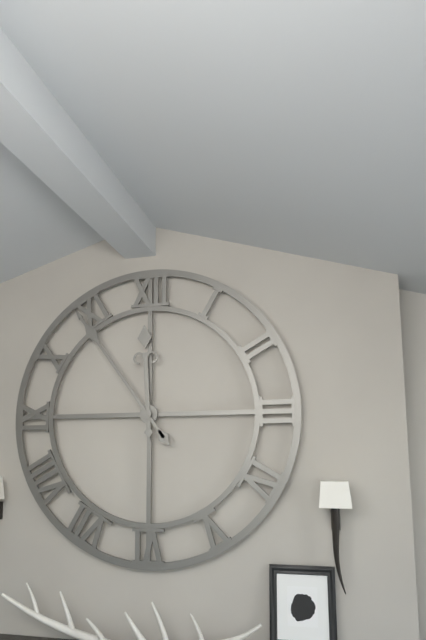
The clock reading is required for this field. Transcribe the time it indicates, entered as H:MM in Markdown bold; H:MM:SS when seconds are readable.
**11:54**
